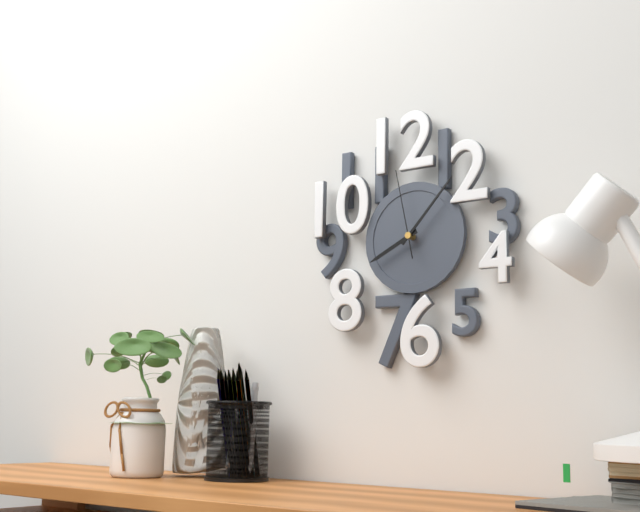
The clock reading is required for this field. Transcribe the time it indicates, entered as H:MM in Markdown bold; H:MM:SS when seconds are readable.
**8:07:58**
